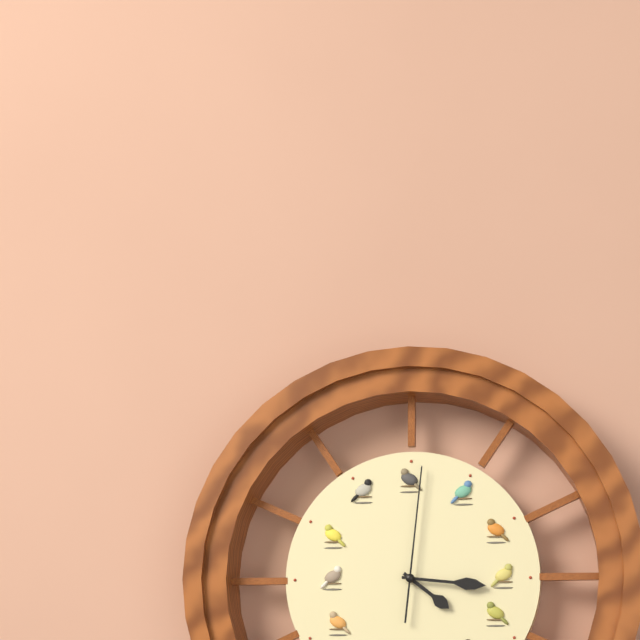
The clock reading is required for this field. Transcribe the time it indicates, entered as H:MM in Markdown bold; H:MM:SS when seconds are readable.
**4:16:01**
